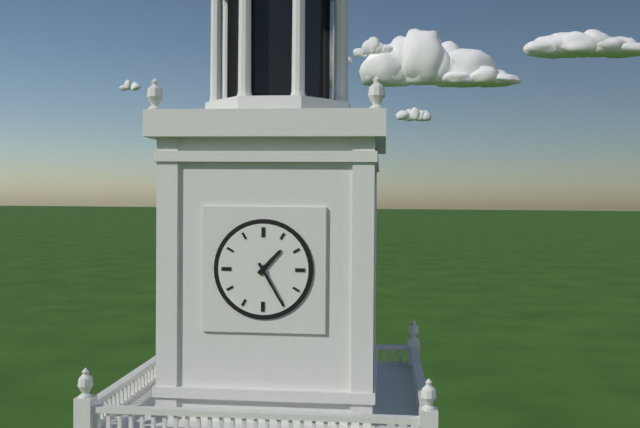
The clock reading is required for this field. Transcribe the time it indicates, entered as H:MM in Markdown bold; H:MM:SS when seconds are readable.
**1:25**
